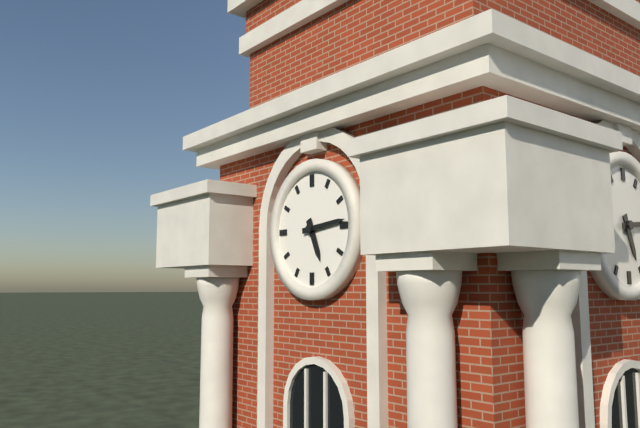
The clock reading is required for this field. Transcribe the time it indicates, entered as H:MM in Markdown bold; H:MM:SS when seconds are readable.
**5:14**
